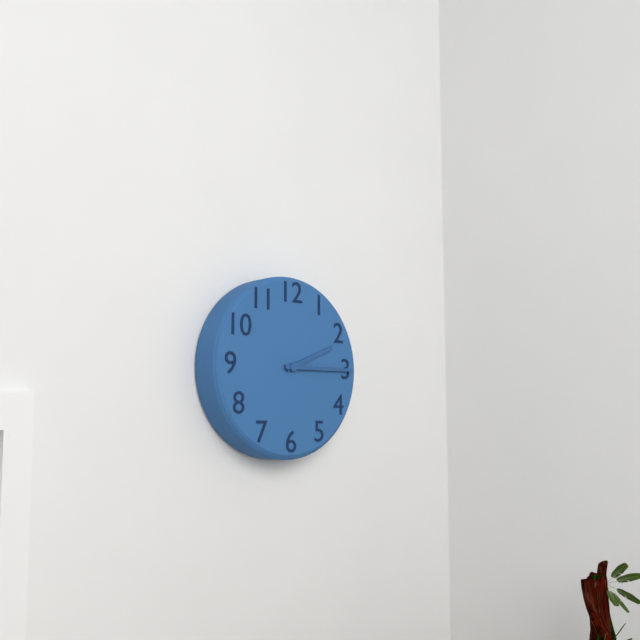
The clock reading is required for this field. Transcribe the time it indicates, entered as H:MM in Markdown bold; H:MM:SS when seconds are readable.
**2:15**
